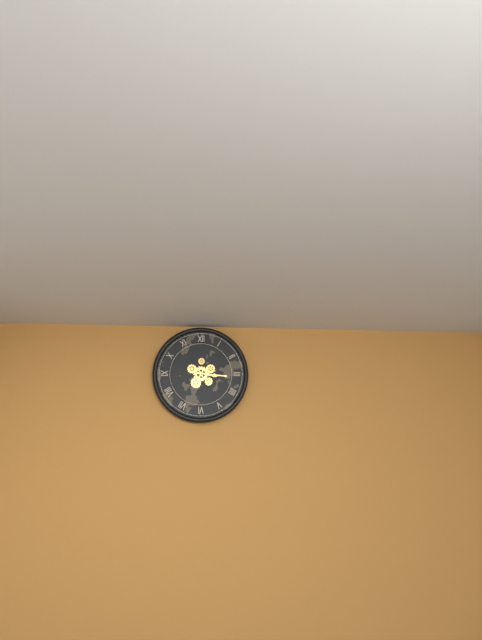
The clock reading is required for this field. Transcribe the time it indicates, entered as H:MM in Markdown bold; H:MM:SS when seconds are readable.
**3:16**
